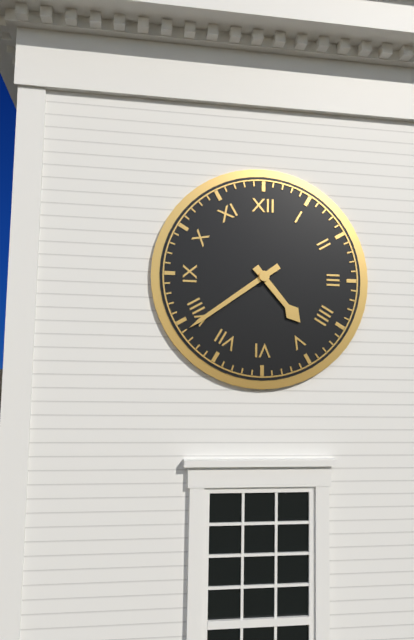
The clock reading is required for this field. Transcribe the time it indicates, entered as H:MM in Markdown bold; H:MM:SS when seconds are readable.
**4:39**
